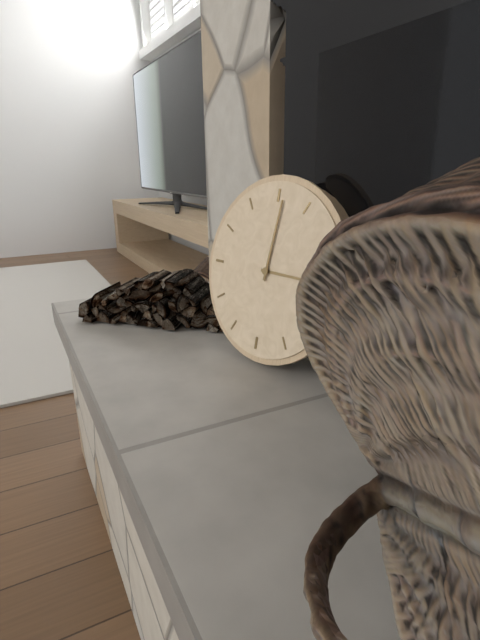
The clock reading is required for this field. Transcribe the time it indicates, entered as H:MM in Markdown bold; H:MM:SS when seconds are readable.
**3:01**
